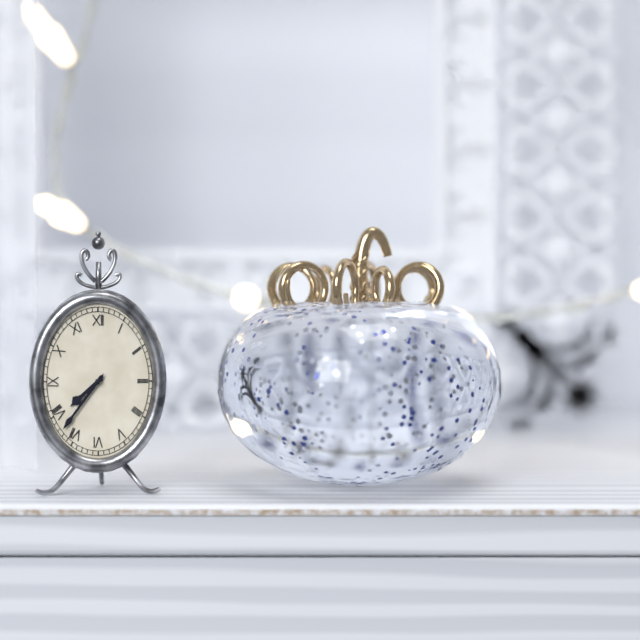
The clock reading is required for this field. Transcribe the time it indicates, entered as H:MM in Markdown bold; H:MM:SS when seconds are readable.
**7:36**
